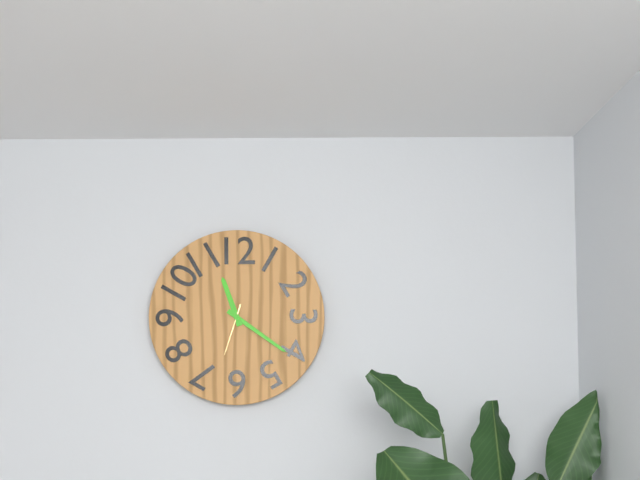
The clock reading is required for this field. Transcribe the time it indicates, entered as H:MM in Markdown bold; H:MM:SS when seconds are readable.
**11:21:33**
